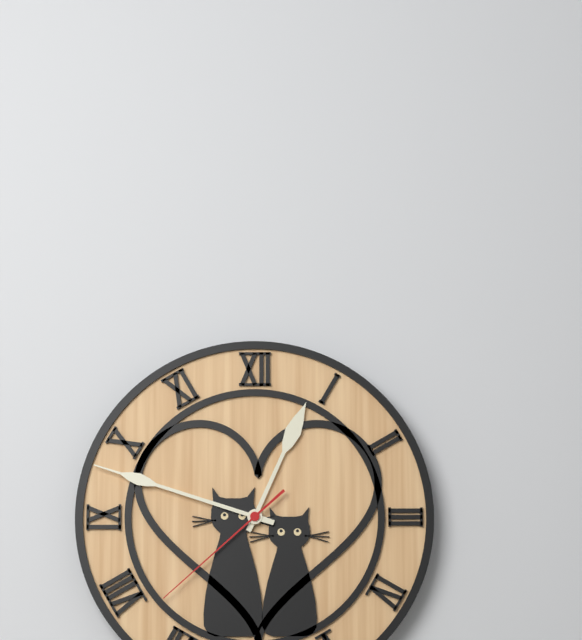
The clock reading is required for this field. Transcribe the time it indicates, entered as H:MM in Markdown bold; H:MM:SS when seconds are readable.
**12:48:38**
